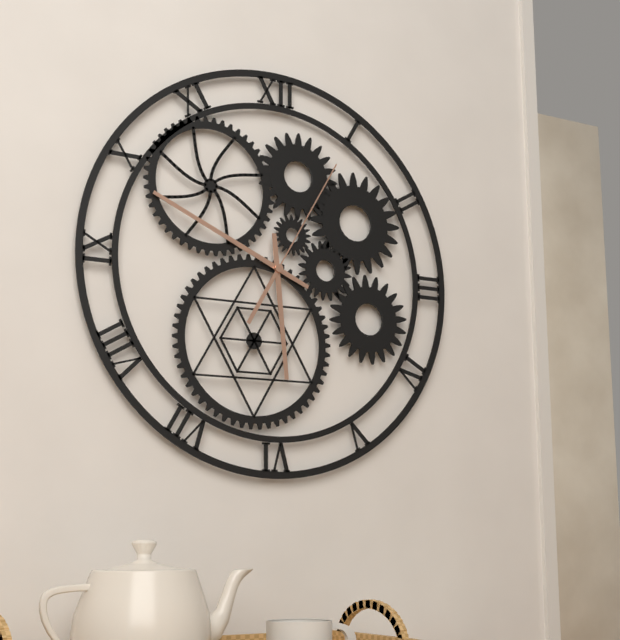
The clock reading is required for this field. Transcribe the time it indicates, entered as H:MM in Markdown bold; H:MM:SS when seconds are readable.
**5:49:05**
